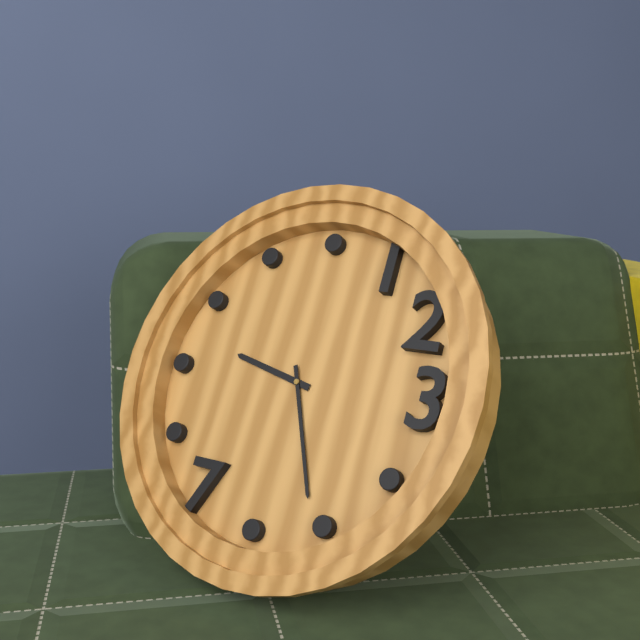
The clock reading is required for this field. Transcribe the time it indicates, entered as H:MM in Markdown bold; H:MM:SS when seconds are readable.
**9:26**
